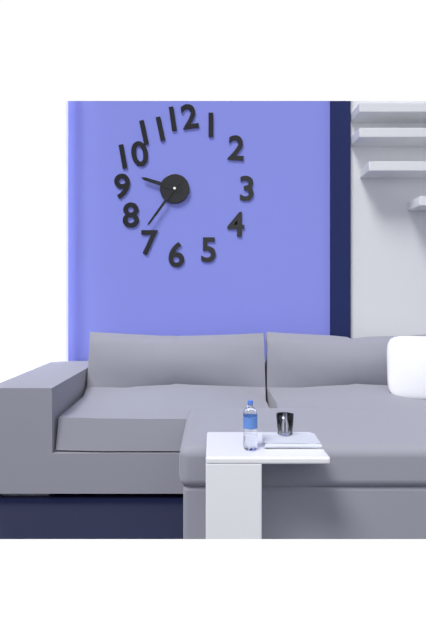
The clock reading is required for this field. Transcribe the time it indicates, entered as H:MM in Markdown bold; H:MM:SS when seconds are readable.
**9:36**
